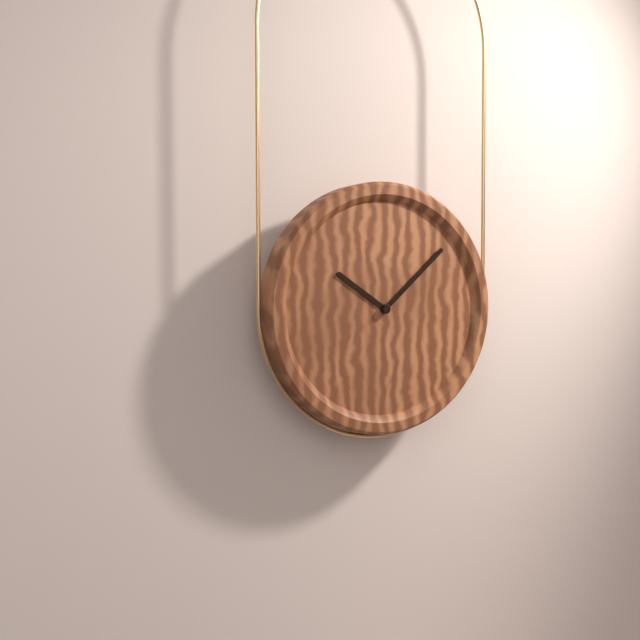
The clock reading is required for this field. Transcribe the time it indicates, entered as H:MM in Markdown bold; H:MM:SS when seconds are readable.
**10:08**
